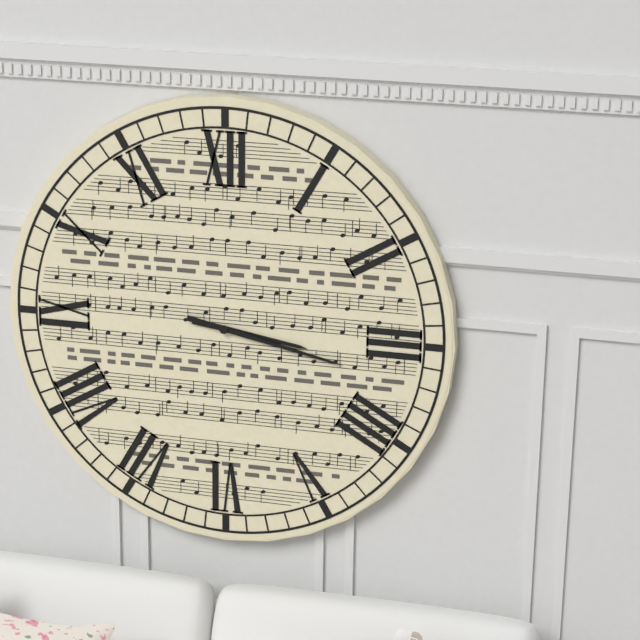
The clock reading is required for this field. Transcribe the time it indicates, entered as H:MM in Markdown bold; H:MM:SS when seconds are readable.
**3:17**
